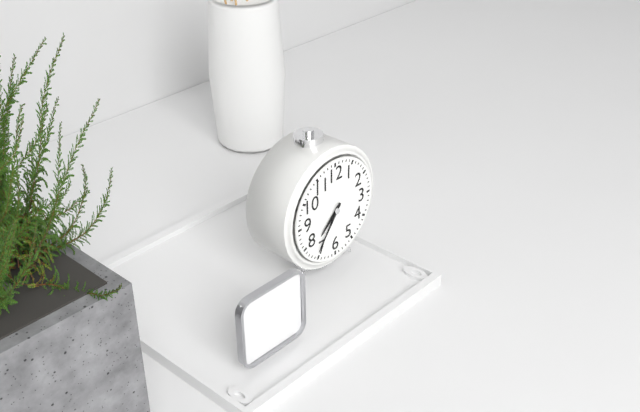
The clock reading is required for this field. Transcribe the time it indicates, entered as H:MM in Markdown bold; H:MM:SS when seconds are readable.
**7:36**
